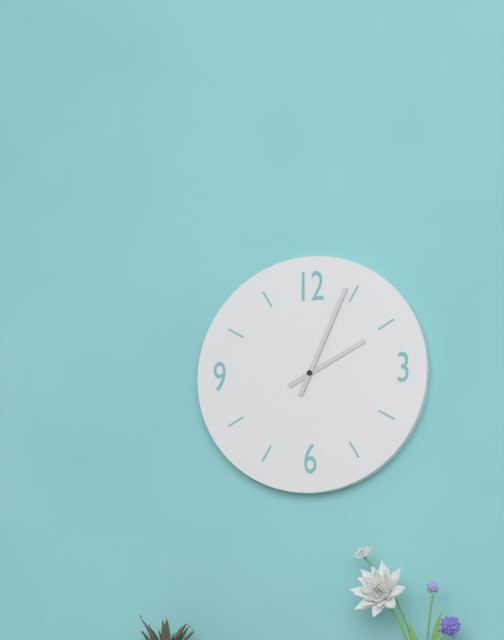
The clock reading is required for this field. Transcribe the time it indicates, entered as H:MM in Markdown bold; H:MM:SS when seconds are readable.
**2:04**
